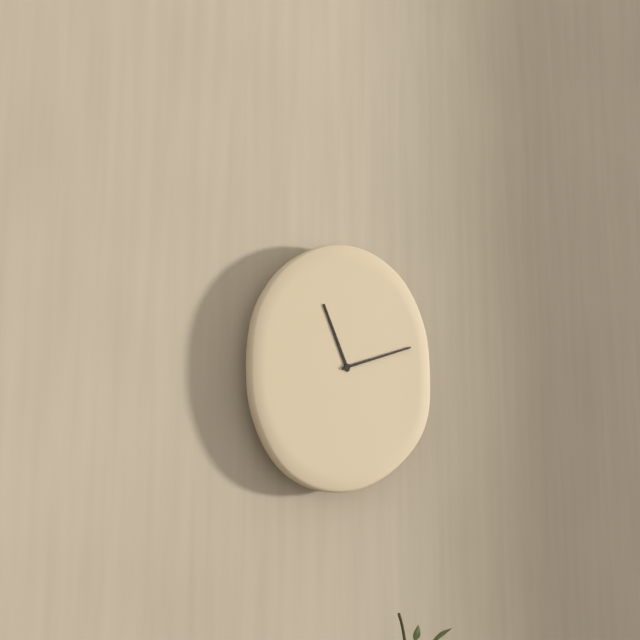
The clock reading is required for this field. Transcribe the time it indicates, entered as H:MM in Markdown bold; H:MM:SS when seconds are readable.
**11:12**
